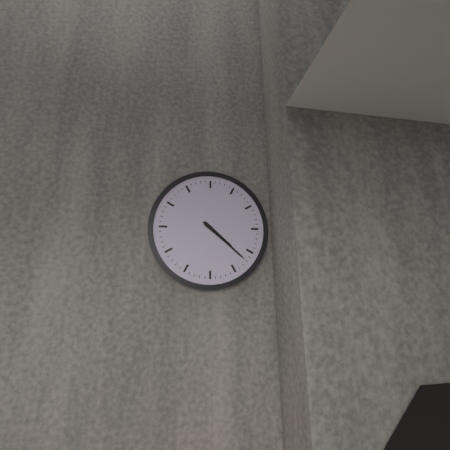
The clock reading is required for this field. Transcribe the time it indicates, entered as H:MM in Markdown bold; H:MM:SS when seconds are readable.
**4:22**
